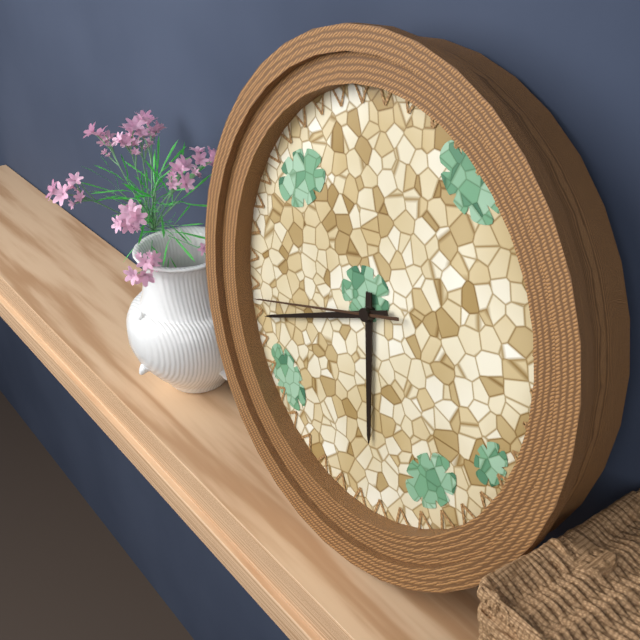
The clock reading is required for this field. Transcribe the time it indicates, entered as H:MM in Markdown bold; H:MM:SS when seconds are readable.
**5:41:42**
